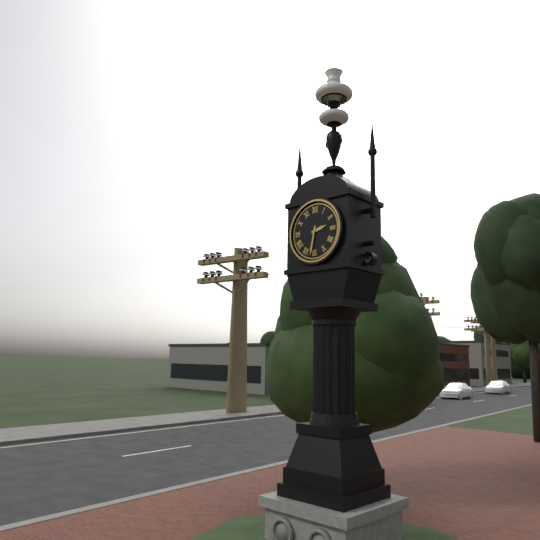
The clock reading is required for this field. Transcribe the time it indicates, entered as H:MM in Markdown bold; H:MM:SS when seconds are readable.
**2:32**
